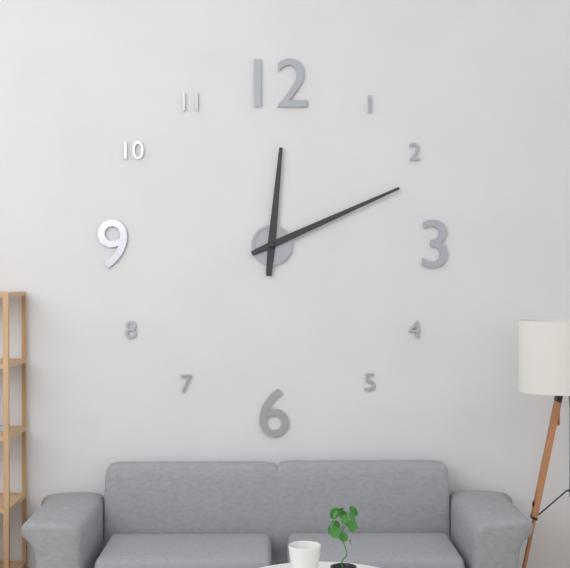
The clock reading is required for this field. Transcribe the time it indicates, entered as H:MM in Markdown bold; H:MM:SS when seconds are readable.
**12:11**
